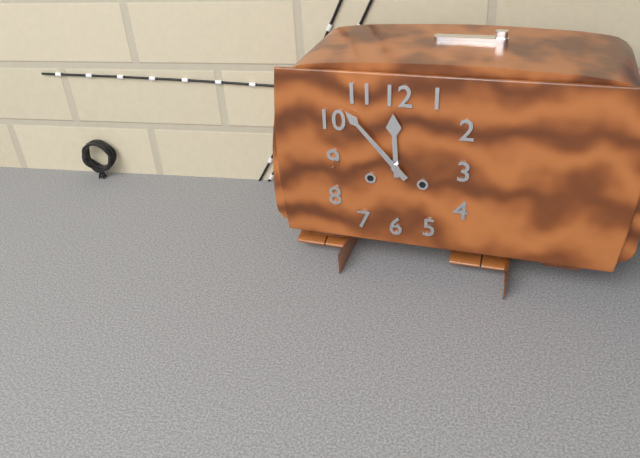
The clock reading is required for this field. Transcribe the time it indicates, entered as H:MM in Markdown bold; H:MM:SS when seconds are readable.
**11:53**
